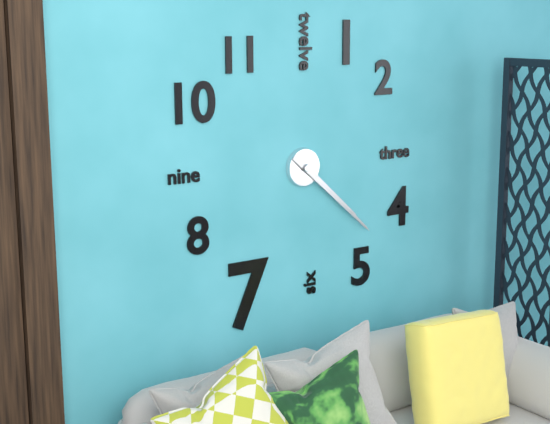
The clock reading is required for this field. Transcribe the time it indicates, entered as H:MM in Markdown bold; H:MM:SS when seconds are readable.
**4:22**
